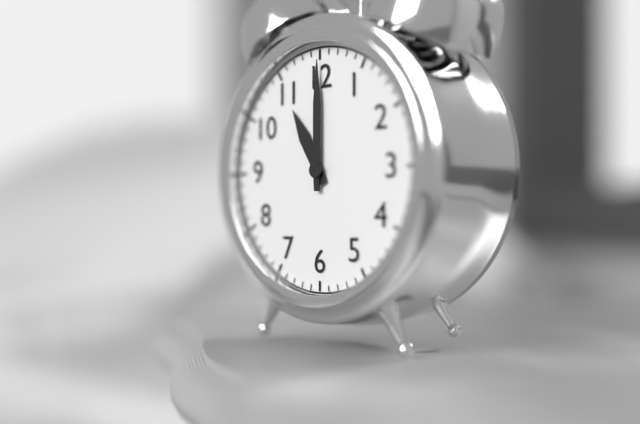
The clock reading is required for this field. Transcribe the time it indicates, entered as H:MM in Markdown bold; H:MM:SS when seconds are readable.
**11:00**
